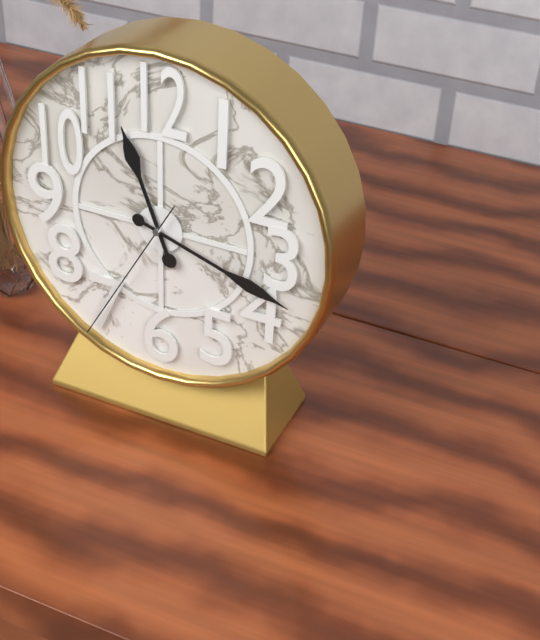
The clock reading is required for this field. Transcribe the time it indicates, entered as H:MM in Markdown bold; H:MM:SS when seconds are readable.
**11:18:35**
